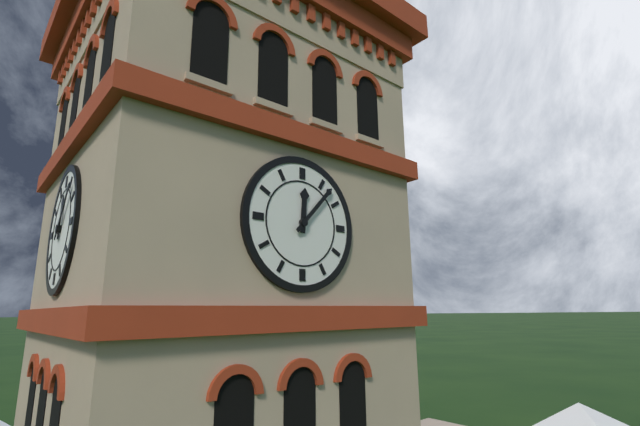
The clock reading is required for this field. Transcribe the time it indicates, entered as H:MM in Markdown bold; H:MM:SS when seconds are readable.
**12:07**
